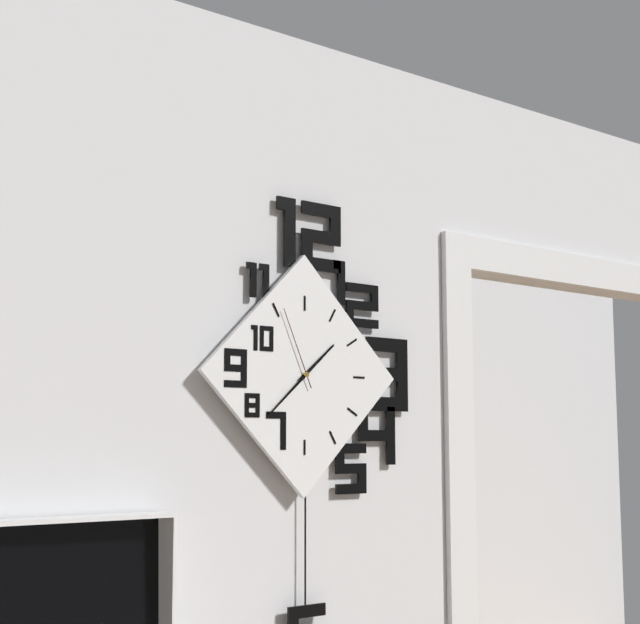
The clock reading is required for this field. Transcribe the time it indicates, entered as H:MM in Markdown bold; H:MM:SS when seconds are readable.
**1:38:56**
